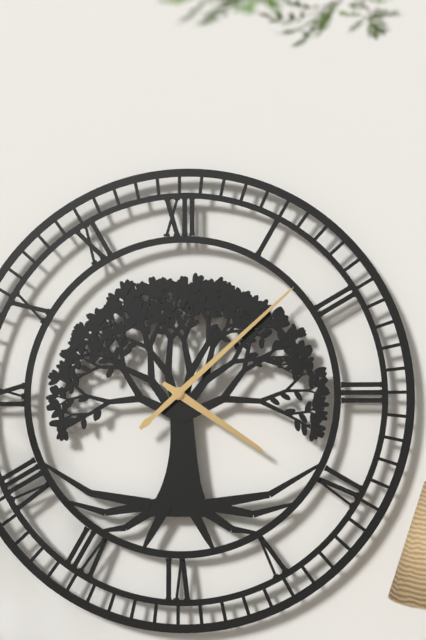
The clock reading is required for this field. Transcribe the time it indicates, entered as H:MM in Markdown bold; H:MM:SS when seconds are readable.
**4:08**
